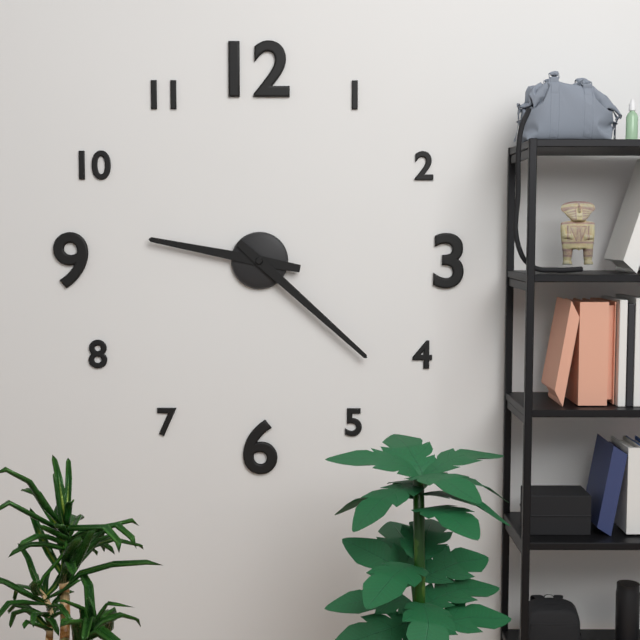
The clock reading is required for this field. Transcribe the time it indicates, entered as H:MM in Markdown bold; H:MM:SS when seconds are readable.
**9:22**
